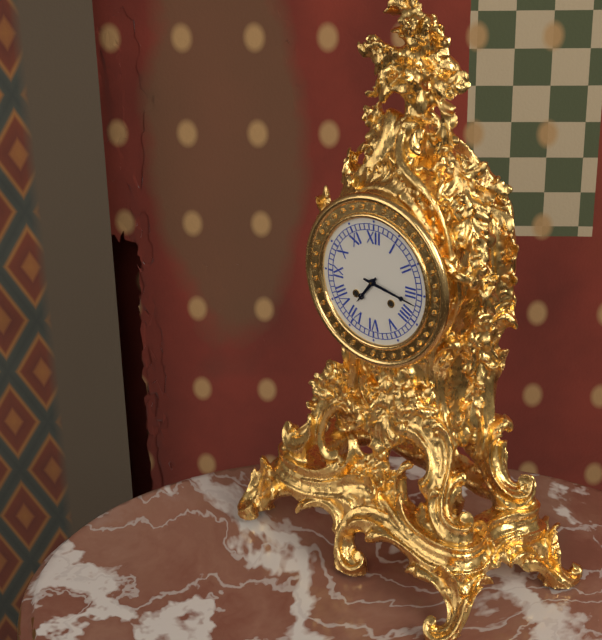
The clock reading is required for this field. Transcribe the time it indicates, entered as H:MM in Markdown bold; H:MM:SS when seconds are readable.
**7:17**
